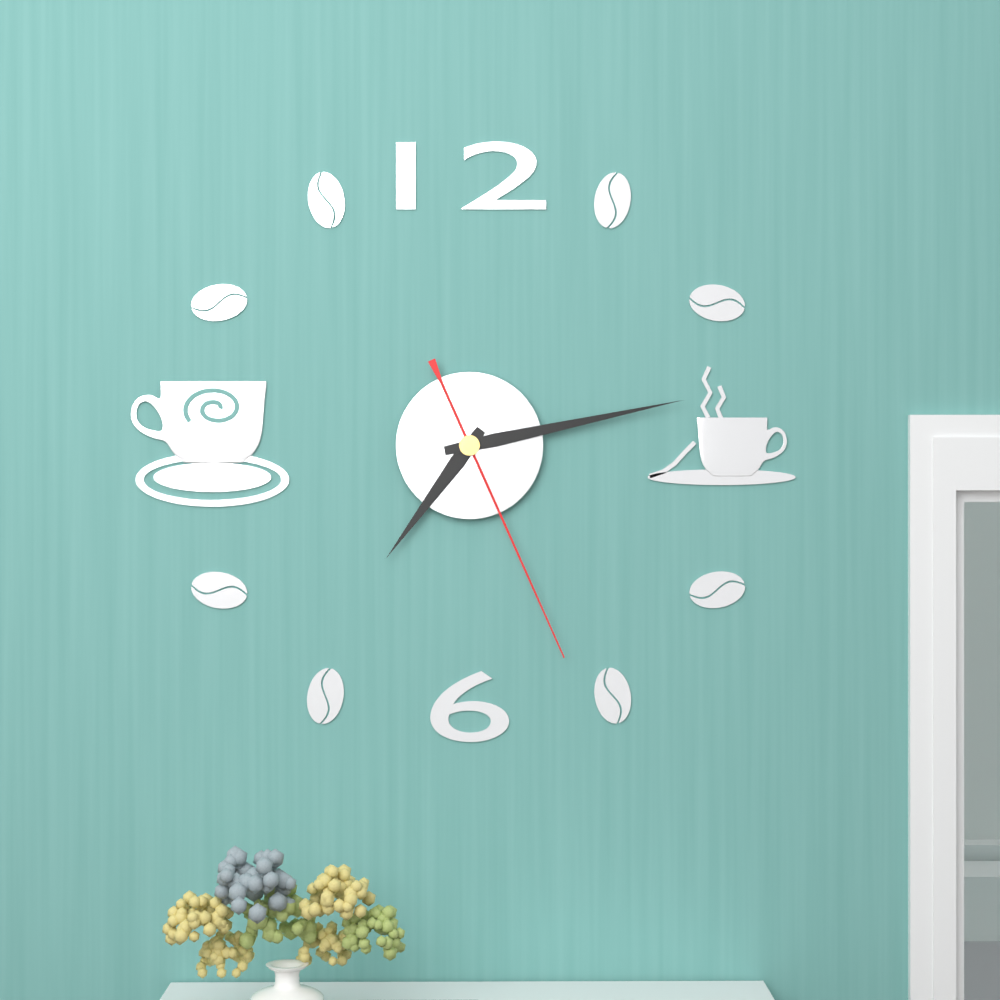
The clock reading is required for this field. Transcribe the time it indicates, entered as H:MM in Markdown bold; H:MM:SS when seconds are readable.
**7:13:26**
